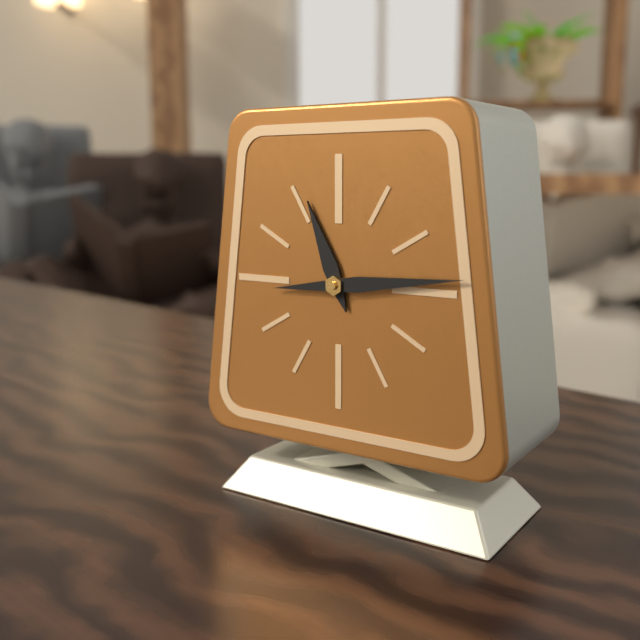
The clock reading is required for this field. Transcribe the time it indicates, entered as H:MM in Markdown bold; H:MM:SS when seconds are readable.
**11:14**
